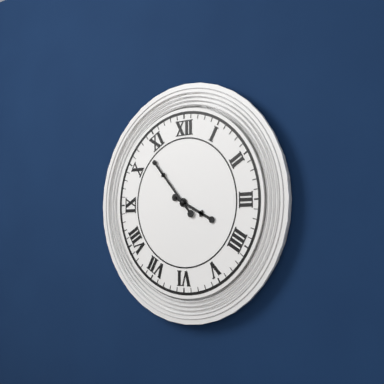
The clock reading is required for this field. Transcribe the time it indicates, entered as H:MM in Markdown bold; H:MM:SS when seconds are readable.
**3:53**
